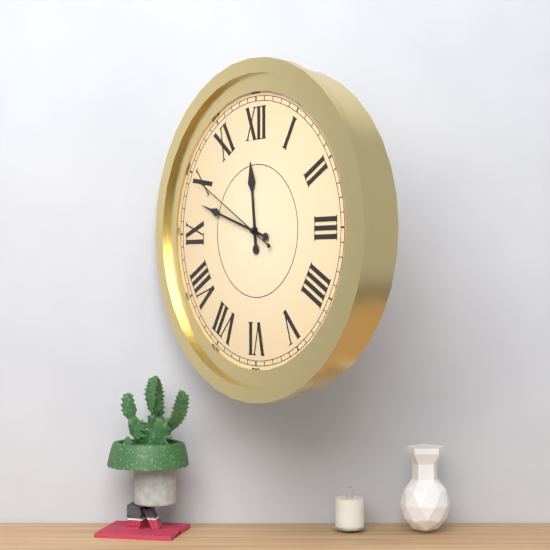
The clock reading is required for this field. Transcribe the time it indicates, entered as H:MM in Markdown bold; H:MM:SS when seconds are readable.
**11:48:50**
